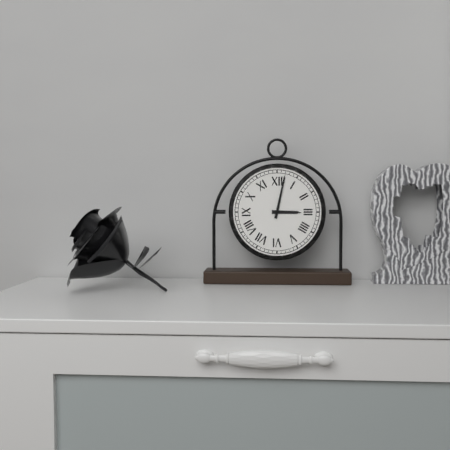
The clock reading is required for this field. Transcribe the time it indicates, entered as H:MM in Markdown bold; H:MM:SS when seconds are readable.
**3:02**
